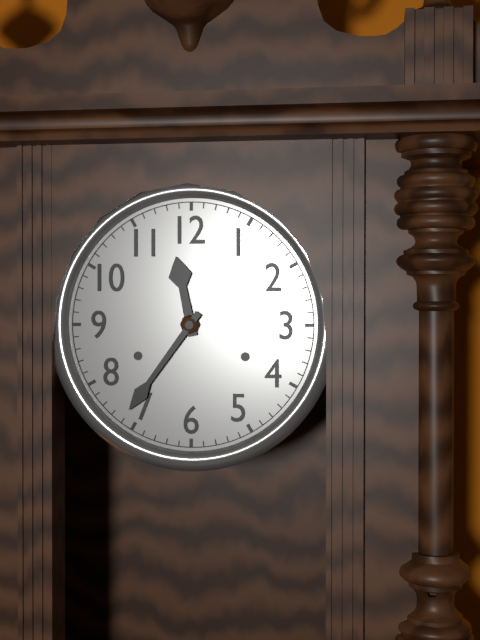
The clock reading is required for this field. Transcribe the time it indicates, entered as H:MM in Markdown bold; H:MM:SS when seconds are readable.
**11:36**
